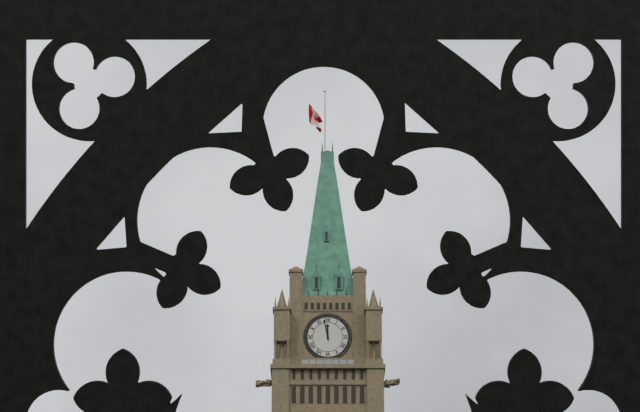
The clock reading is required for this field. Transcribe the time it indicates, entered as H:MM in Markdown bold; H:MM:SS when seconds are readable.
**11:58**
